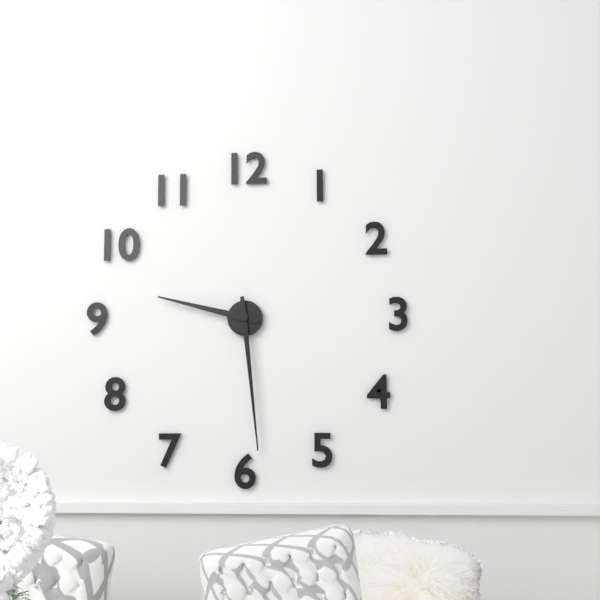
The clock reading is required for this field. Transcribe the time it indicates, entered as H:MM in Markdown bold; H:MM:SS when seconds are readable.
**9:29**
